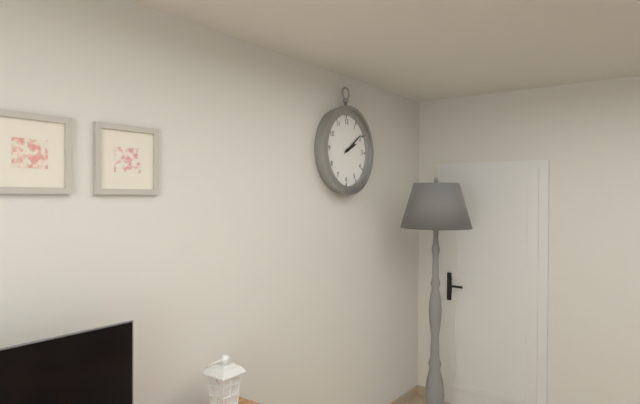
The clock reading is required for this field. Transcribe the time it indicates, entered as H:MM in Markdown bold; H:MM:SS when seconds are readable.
**2:09**
